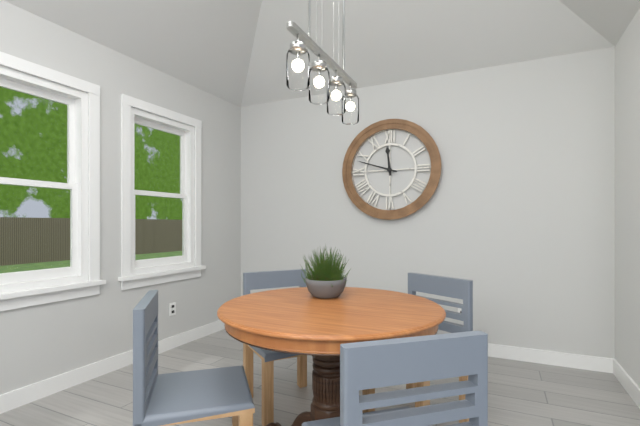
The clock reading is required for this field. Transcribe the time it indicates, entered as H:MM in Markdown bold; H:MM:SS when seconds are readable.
**11:48**
